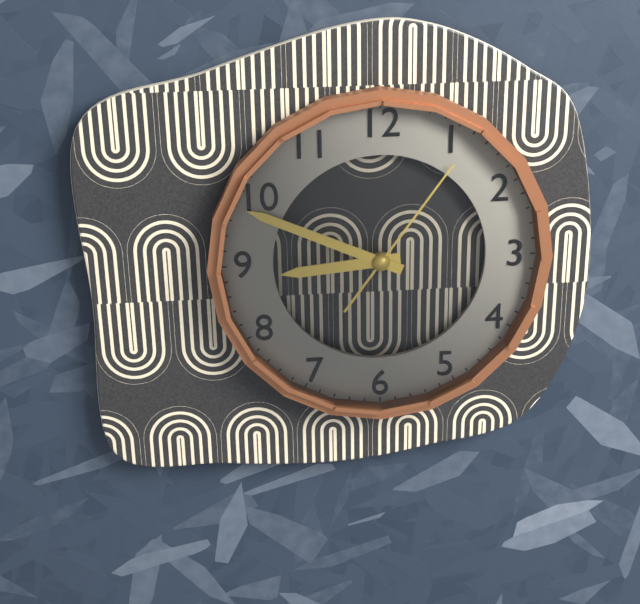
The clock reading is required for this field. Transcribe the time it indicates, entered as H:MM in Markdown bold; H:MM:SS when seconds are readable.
**8:49:06**
